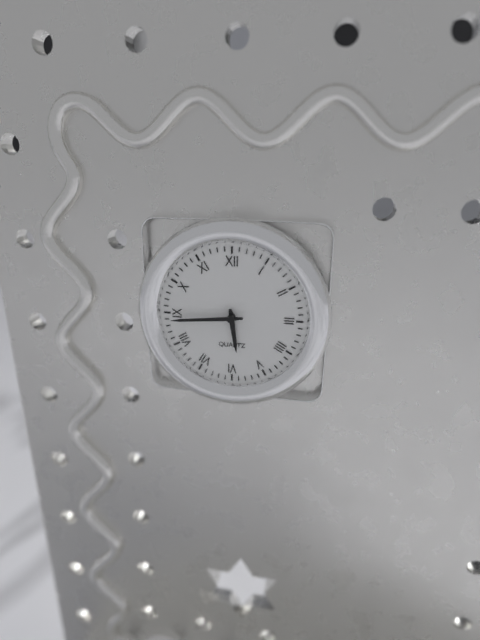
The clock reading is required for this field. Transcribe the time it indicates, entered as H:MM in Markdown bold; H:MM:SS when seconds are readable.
**5:44**
